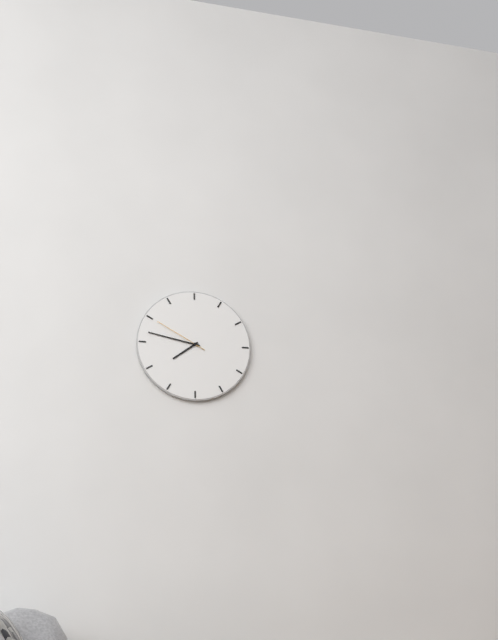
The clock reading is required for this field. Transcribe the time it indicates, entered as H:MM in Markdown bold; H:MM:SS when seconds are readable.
**7:47:50**
